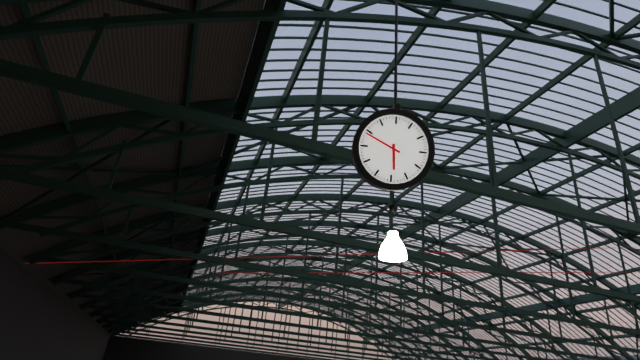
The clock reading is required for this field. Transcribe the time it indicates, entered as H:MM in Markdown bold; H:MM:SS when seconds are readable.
**5:49**
